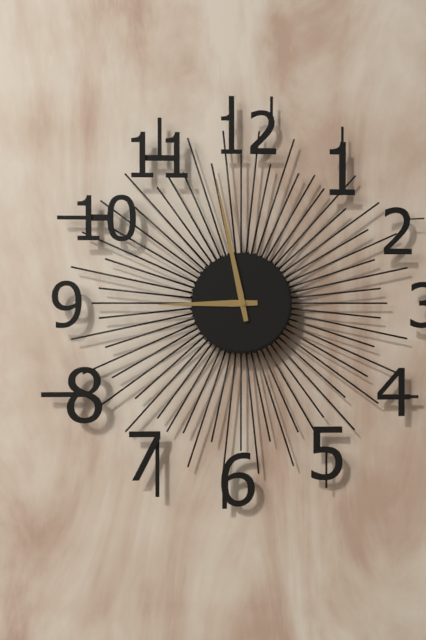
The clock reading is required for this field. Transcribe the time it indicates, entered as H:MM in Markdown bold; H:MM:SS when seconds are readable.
**8:58**
